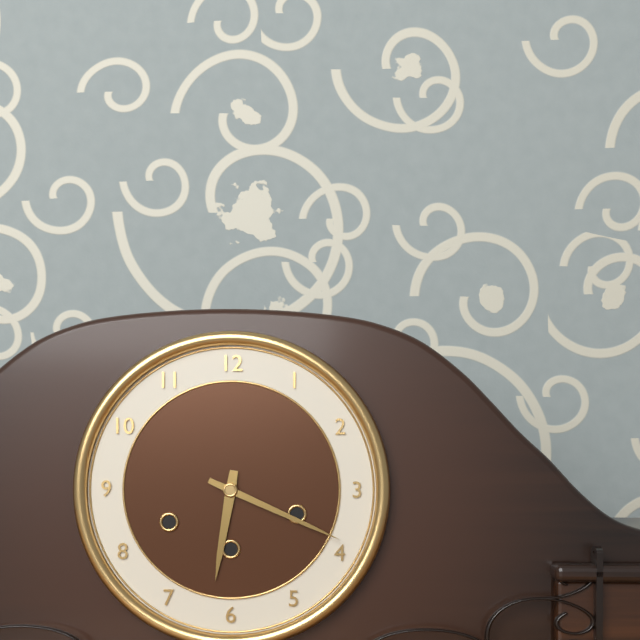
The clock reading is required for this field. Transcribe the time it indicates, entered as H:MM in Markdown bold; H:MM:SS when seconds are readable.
**6:19**
